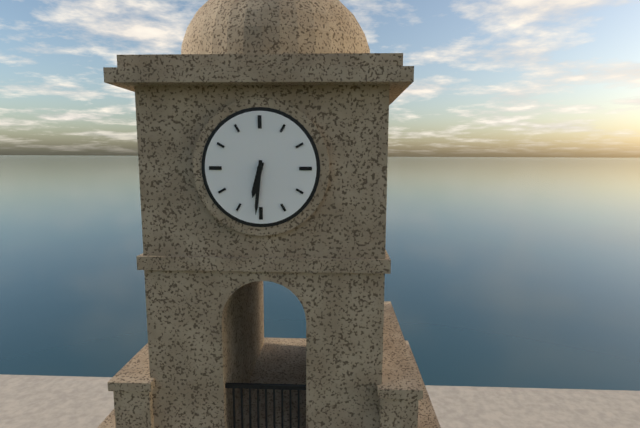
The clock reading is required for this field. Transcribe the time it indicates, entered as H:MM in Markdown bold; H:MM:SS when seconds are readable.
**6:31**
